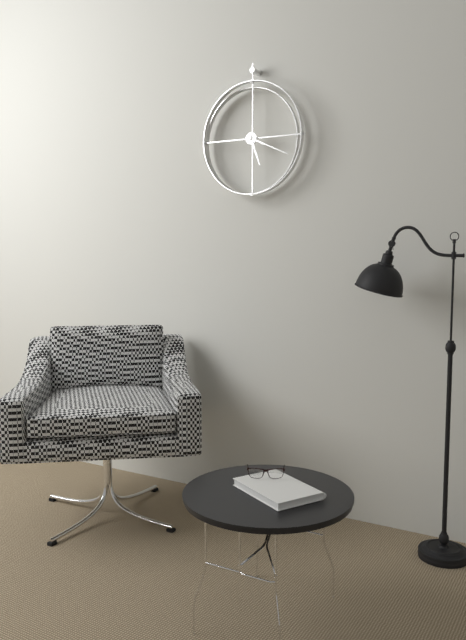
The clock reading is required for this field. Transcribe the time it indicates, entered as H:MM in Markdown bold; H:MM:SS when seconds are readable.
**5:19**
